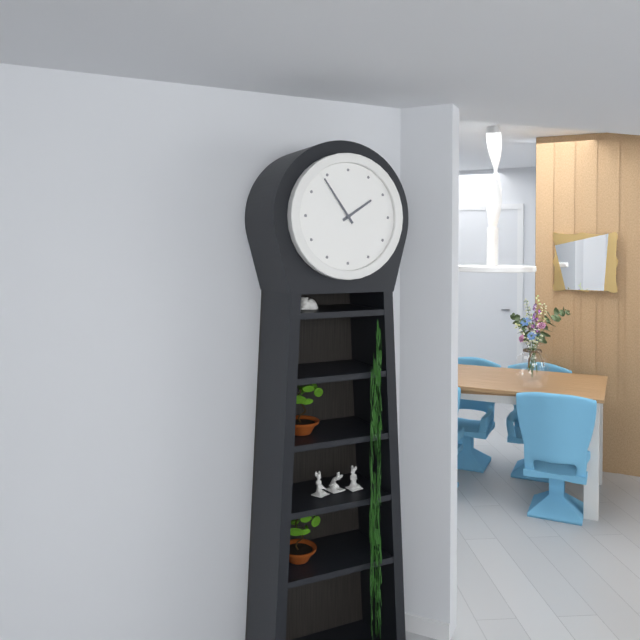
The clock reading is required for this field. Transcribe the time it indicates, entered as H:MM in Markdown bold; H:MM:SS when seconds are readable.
**1:54**
